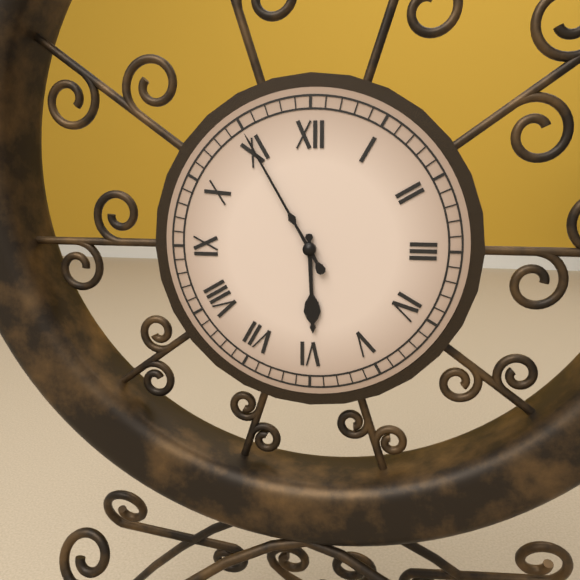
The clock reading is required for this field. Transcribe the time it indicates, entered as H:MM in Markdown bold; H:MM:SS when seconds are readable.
**5:55**
